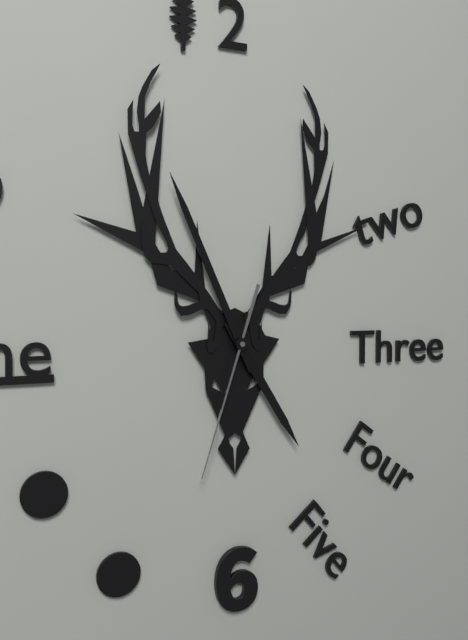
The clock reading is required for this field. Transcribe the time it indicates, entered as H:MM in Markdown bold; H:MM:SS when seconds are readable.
**4:56:33**
